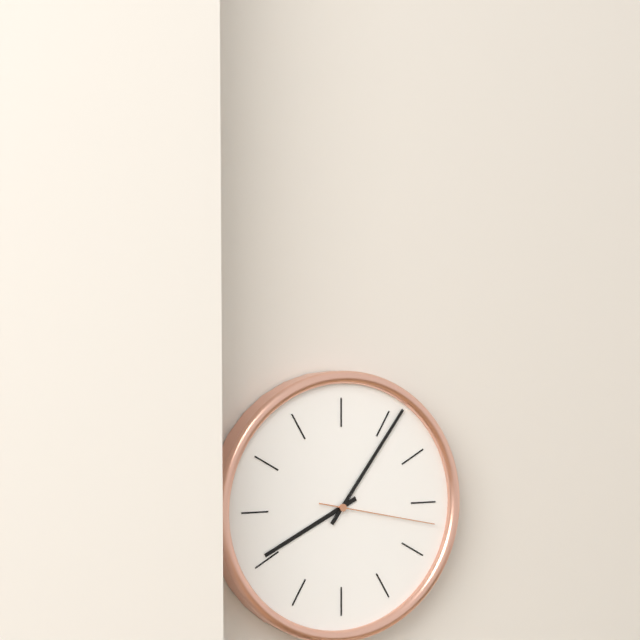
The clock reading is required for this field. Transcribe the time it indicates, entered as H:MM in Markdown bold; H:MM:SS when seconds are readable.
**8:06:17**
